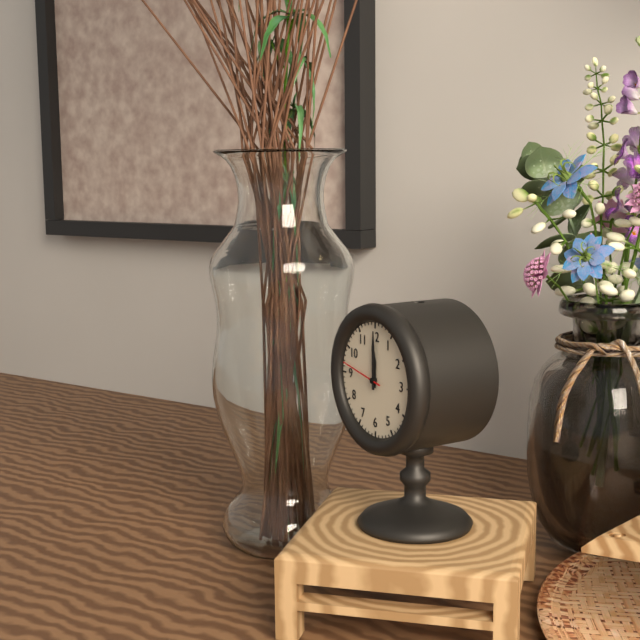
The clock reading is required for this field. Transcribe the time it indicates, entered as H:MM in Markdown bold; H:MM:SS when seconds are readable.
**12:00**
